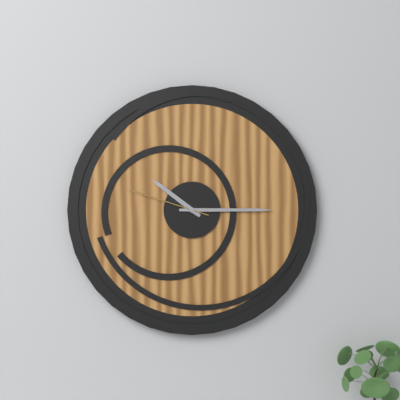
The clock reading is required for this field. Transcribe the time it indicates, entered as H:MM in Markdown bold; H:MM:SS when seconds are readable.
**10:15:48**
